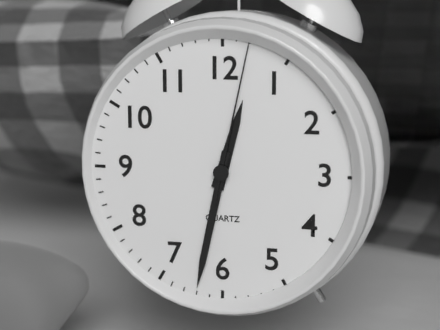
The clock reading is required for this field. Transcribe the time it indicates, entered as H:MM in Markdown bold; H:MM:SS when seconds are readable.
**12:32:02**
